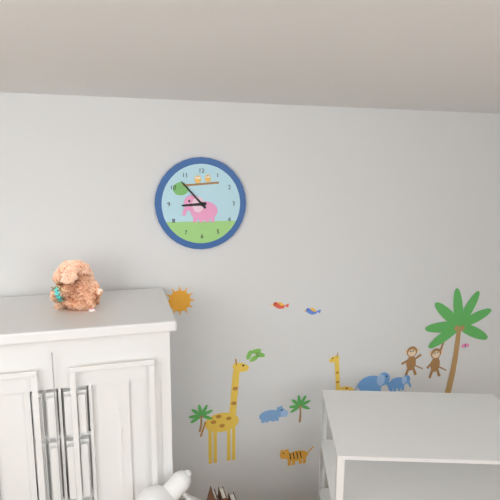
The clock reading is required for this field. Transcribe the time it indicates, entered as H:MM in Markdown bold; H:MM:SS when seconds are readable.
**8:53**
